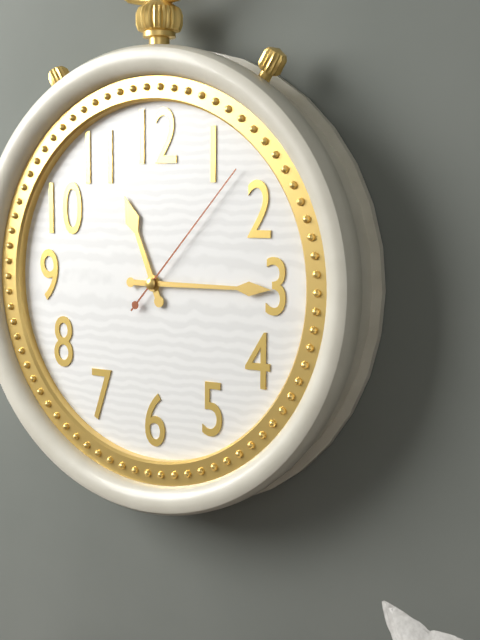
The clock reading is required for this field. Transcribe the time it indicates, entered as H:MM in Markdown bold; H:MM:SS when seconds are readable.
**11:15:07**
